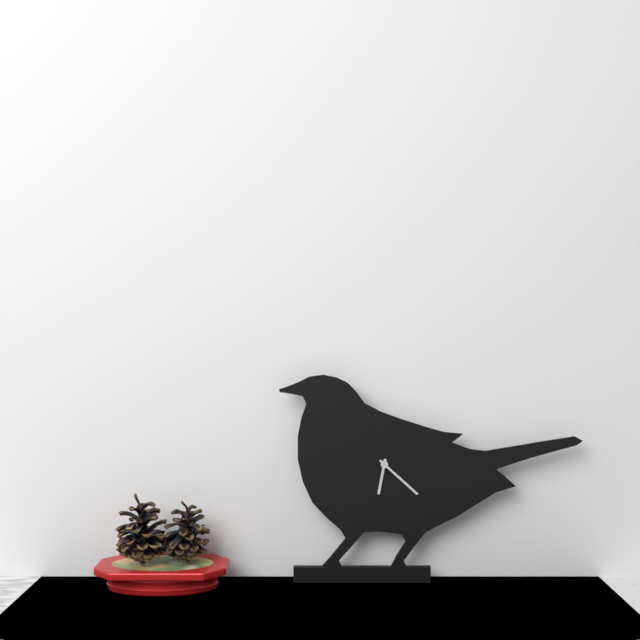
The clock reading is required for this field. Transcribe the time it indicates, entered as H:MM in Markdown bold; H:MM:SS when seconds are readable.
**6:22**
